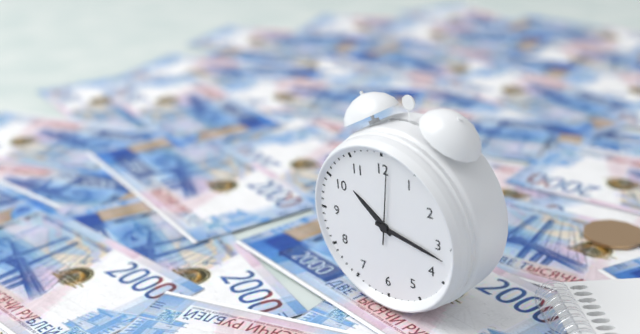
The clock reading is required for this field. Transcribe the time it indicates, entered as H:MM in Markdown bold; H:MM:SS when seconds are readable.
**10:17:01**
